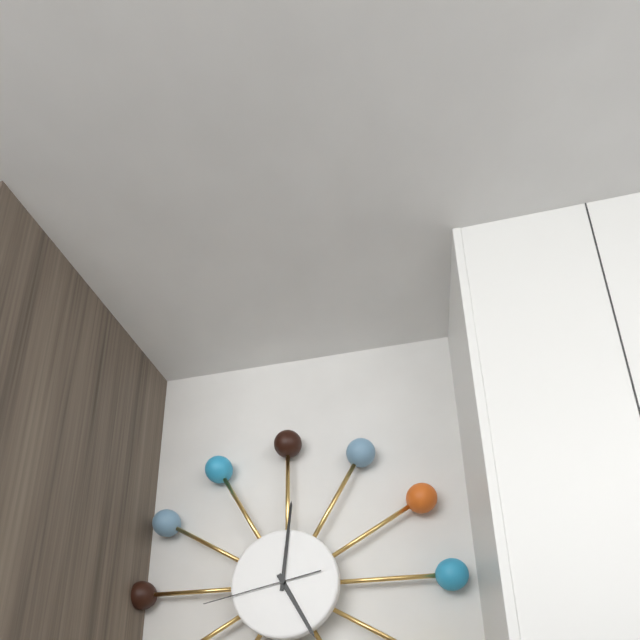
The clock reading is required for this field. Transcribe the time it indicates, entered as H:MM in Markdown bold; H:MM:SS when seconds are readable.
**5:01:43**
